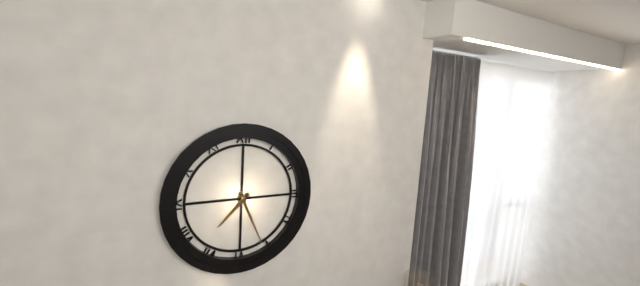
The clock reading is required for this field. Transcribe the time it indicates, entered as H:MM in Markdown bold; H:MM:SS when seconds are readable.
**7:26**
